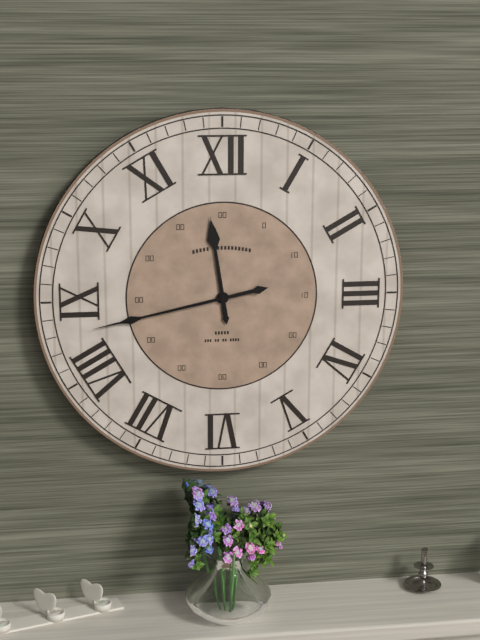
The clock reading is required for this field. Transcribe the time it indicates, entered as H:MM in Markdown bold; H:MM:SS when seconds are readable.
**11:43**
